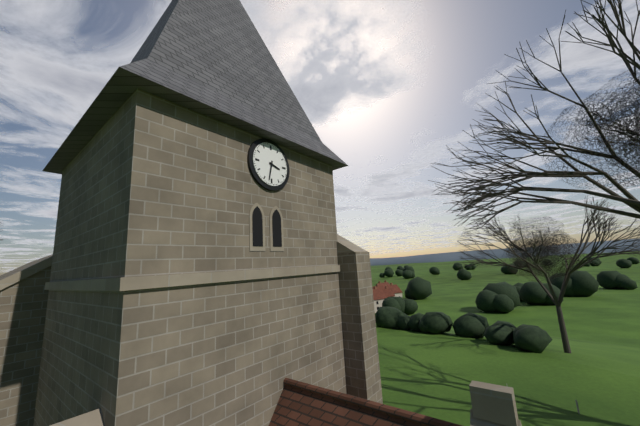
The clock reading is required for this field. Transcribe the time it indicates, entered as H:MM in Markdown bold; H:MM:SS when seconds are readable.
**3:32**
